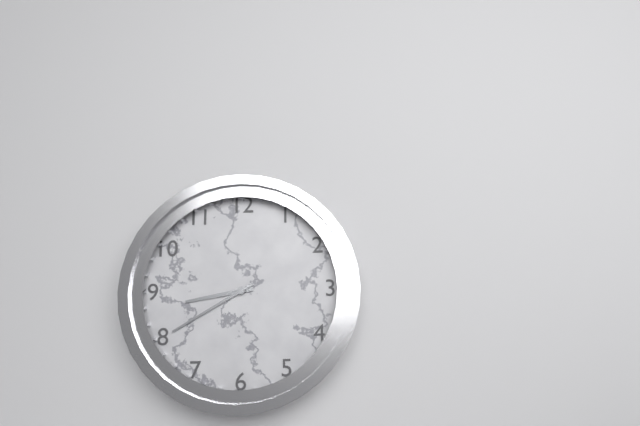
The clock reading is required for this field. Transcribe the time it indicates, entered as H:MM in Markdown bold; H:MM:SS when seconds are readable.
**8:40**
